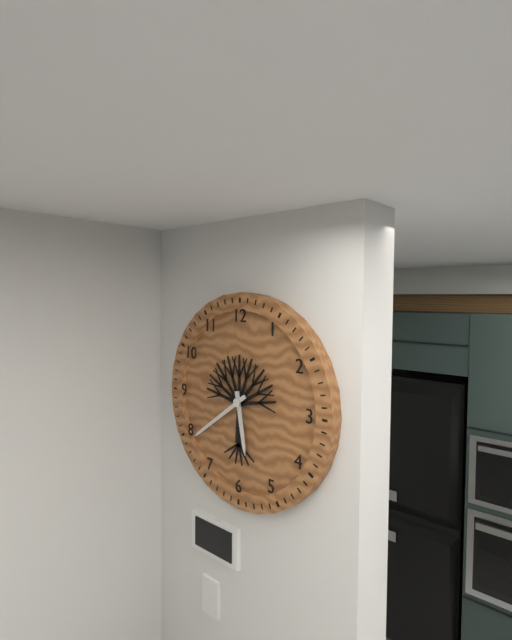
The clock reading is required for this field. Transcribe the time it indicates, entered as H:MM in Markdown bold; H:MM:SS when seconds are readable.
**5:39**
